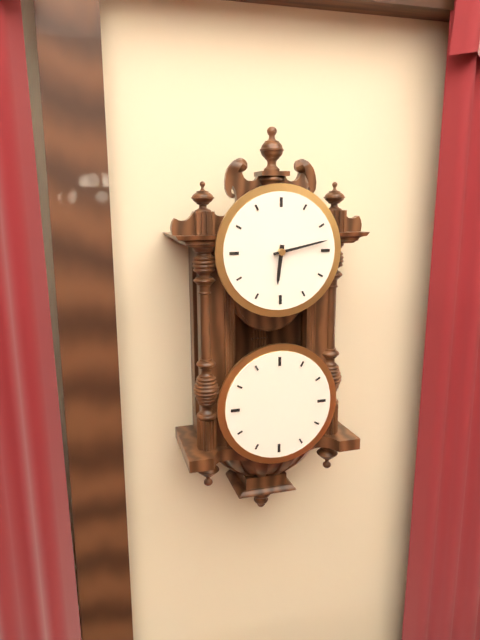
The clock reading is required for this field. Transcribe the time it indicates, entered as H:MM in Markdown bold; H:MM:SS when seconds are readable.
**6:13**
